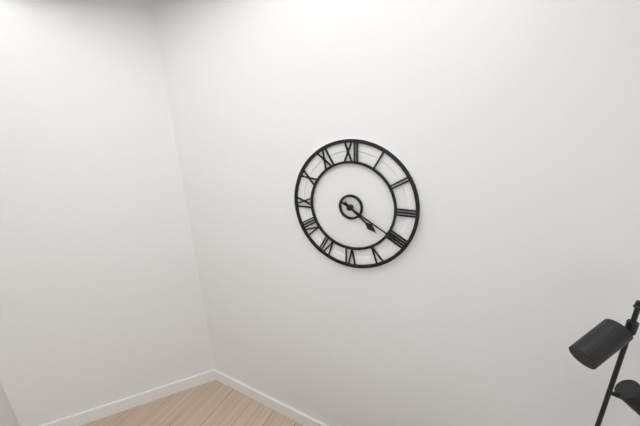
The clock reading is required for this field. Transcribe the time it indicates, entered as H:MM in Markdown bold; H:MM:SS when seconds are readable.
**4:20**
